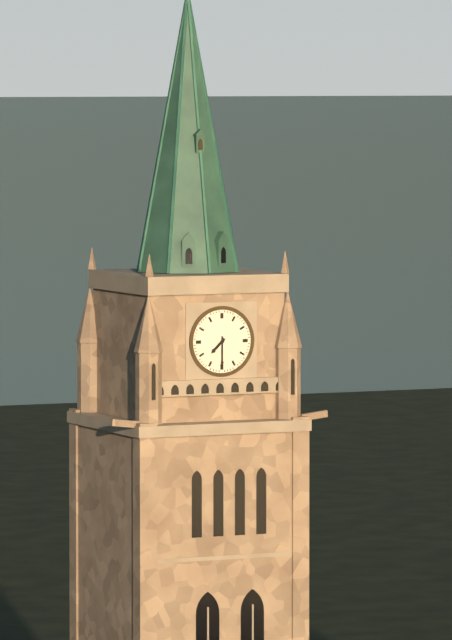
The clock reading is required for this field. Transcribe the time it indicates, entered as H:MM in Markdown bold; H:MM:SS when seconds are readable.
**7:30**
